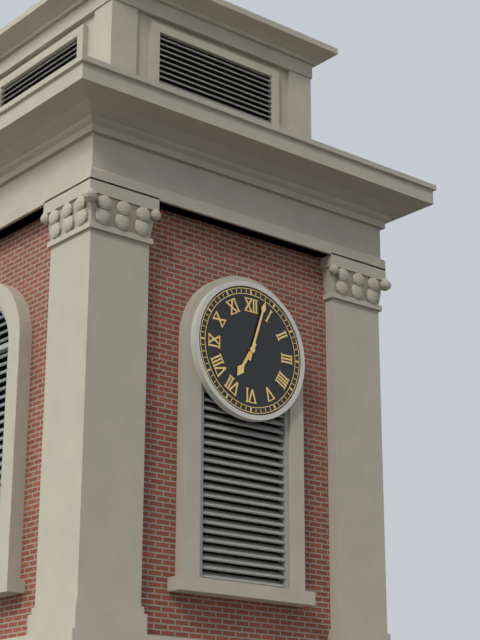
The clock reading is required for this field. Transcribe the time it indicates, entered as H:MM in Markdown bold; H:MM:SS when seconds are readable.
**7:03**
